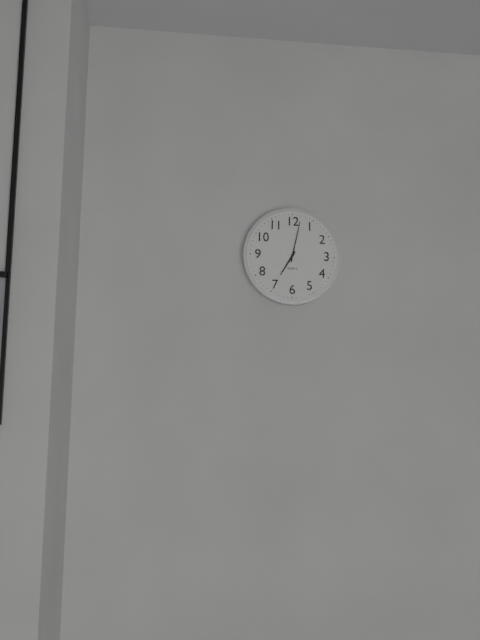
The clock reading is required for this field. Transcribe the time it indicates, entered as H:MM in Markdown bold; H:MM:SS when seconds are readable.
**7:02**
